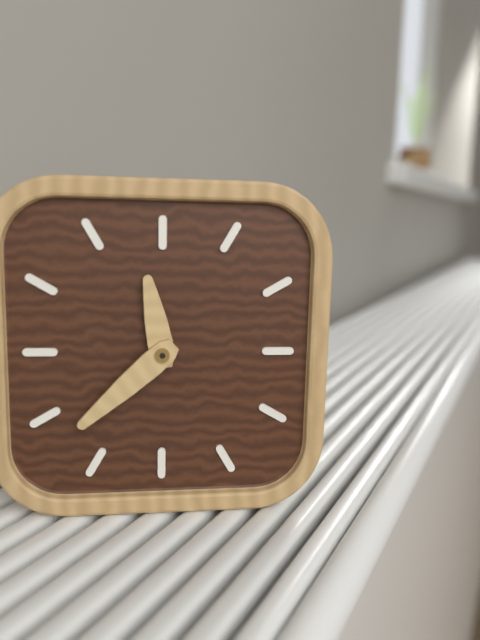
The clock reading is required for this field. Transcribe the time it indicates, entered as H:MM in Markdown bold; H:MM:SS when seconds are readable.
**11:38**
